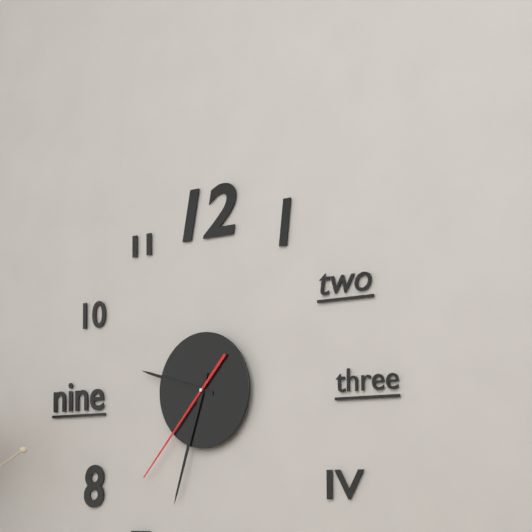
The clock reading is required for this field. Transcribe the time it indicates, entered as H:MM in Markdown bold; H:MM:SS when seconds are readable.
**9:33:37**
